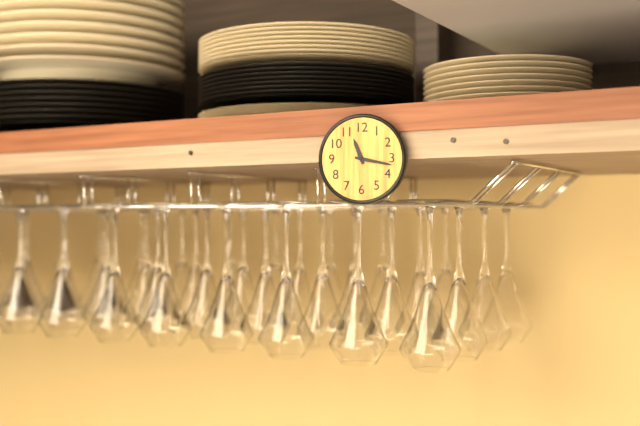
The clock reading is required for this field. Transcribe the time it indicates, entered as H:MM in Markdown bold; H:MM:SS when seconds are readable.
**11:17**
